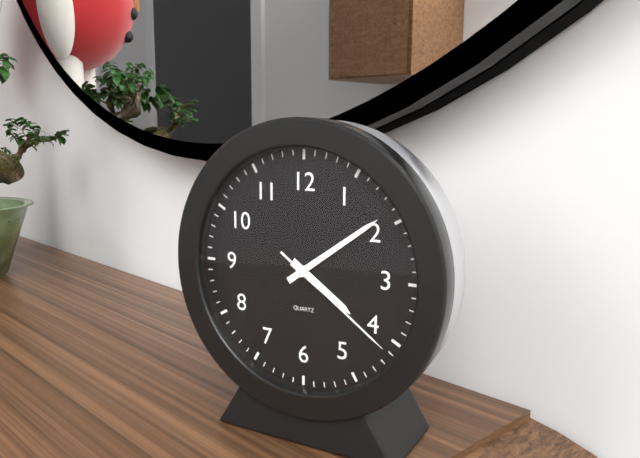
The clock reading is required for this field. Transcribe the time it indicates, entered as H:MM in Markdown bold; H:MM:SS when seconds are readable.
**4:09:21**
